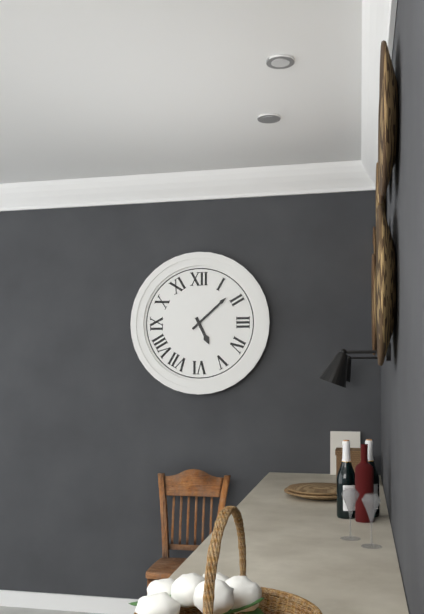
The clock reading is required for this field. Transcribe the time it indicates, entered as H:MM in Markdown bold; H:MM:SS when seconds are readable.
**5:08**
